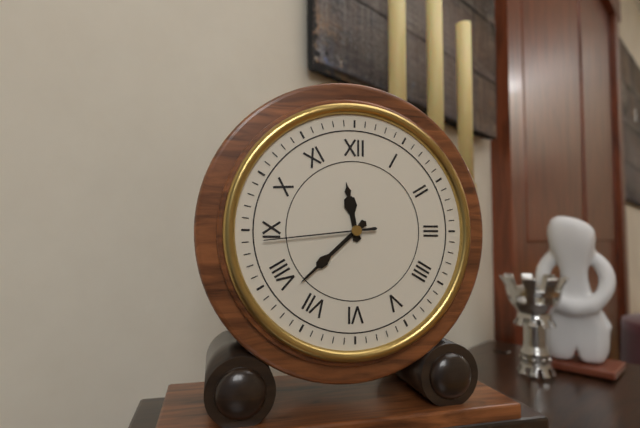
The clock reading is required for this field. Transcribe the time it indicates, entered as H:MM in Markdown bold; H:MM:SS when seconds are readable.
**11:38:44**
